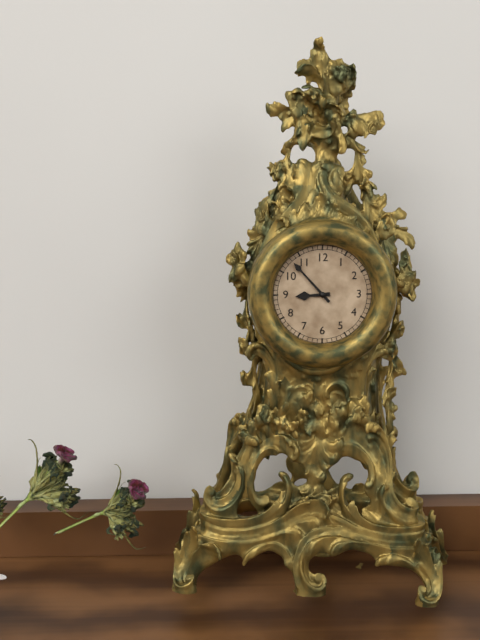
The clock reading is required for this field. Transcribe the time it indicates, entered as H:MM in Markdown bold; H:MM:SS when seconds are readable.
**8:53**
